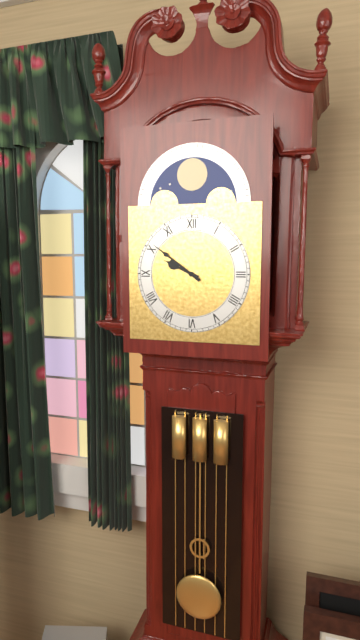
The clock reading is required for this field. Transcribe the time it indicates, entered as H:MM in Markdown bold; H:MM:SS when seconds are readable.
**9:51**
